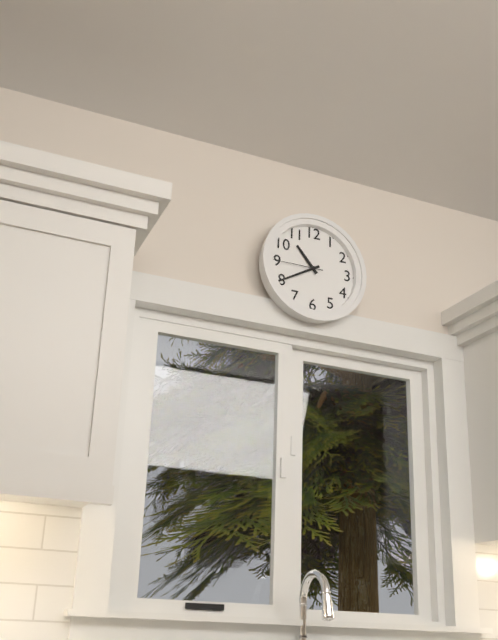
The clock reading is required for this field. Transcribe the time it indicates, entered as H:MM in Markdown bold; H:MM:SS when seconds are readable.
**10:40:45**
